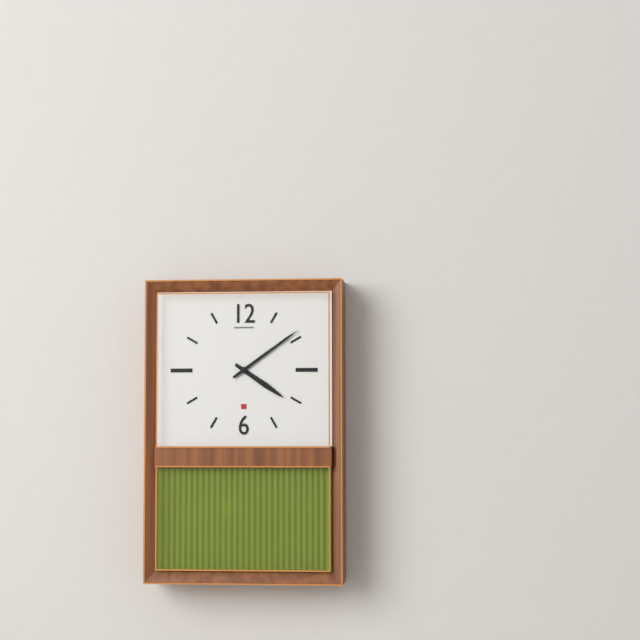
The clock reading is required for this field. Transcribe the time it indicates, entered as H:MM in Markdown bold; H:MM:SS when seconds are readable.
**4:09**
